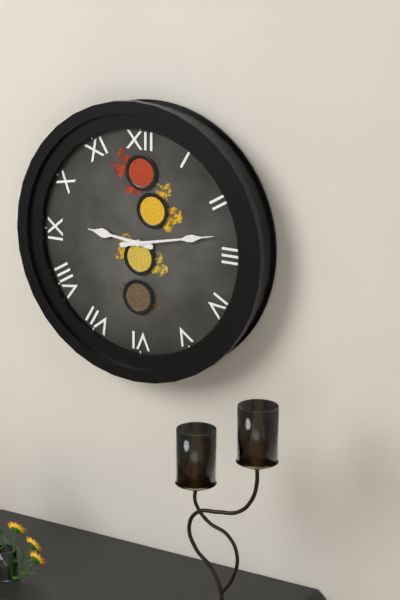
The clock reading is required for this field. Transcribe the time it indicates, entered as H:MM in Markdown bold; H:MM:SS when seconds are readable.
**9:13**
